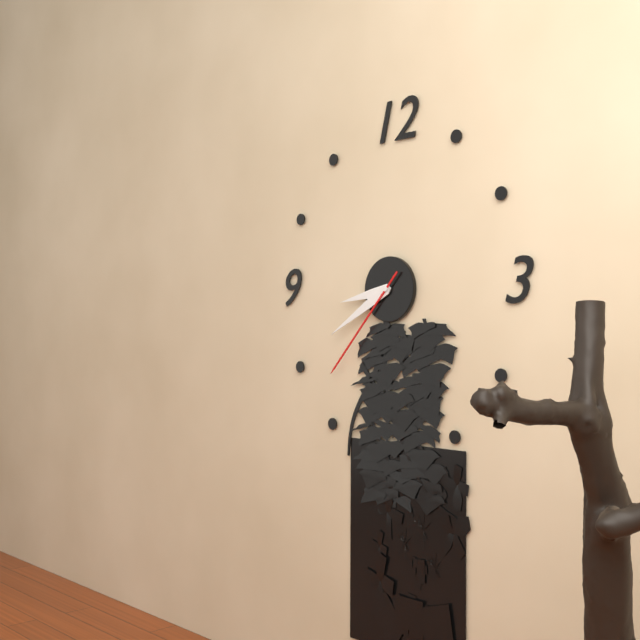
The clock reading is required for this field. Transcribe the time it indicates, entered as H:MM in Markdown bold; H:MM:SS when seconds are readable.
**8:40:37**
